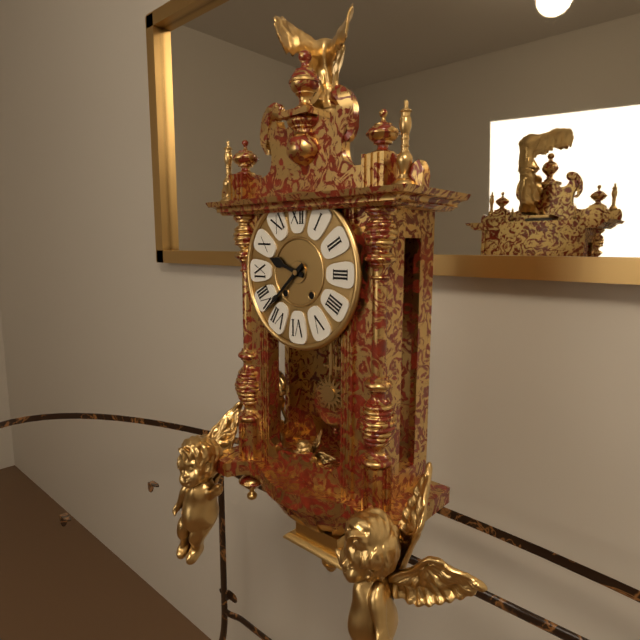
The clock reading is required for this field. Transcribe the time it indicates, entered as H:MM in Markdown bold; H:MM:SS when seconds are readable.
**9:38**
